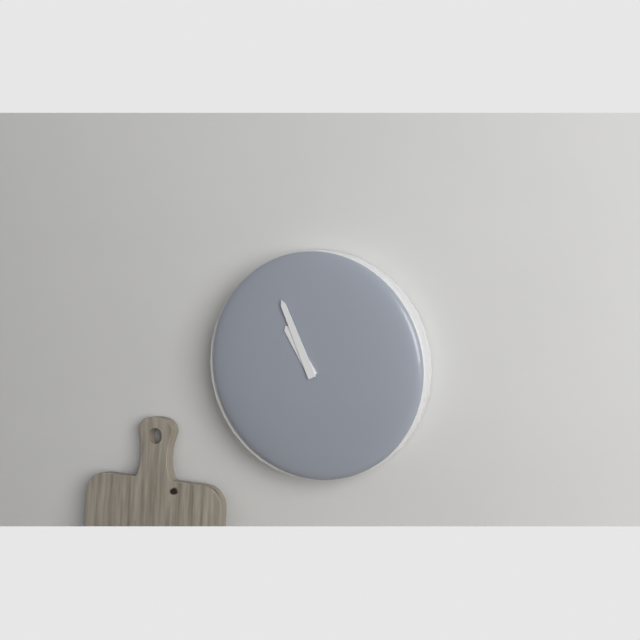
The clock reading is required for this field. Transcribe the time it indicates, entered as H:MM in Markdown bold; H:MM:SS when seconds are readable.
**10:56**
